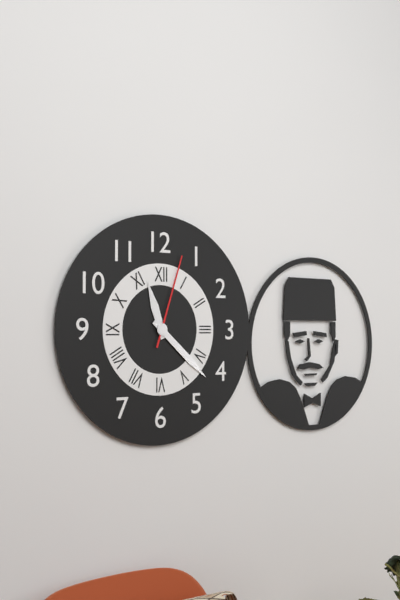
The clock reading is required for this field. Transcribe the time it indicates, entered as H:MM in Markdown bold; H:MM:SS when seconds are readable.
**11:22:03**
